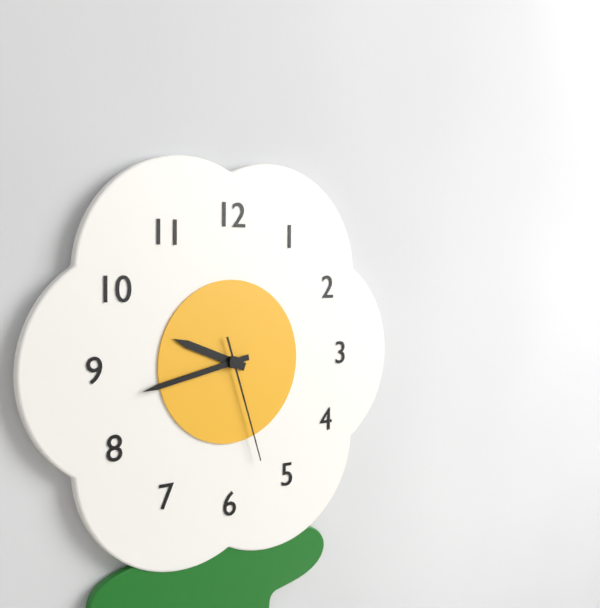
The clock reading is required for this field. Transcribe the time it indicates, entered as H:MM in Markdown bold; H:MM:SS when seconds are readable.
**9:43:27**
